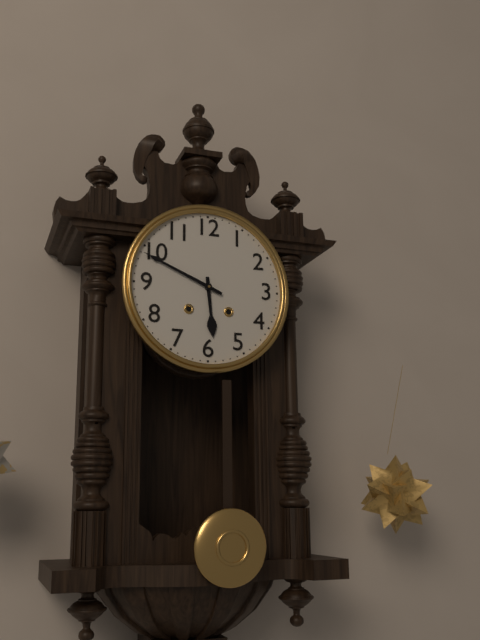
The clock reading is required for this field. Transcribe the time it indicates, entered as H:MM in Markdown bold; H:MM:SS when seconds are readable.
**5:49**
